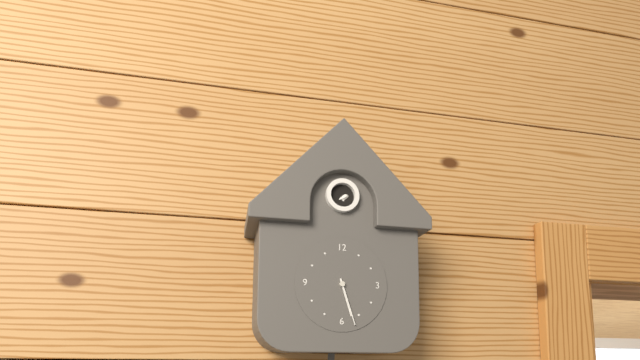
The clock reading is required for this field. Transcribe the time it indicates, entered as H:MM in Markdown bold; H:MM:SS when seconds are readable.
**5:27**
